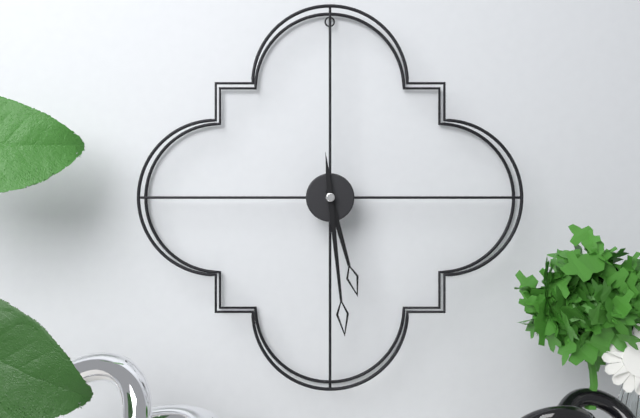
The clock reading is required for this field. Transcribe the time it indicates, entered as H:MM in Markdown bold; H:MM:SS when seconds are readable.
**5:29**
